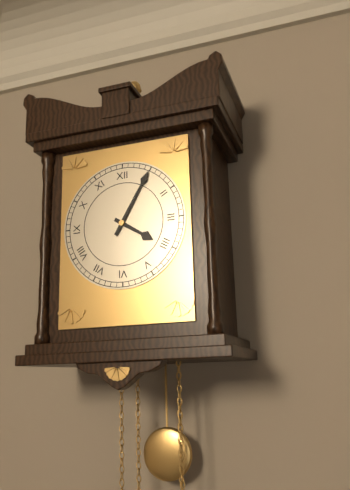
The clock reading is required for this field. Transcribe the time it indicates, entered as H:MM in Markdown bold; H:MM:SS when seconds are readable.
**4:05**
